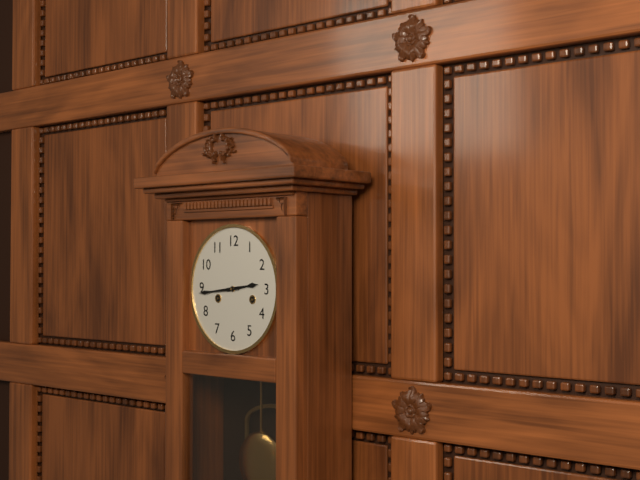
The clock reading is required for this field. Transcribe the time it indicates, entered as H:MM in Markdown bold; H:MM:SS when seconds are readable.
**2:44**
